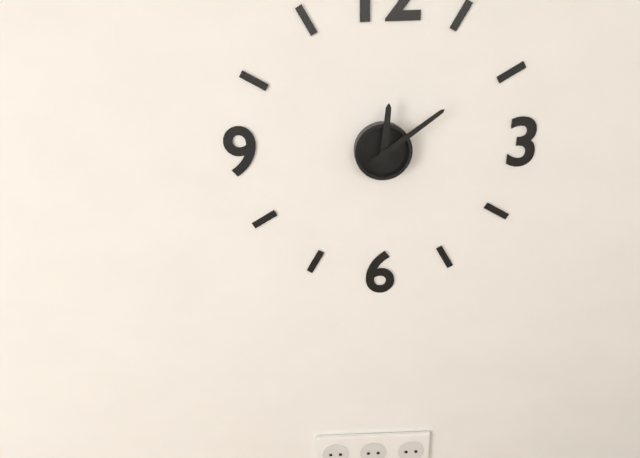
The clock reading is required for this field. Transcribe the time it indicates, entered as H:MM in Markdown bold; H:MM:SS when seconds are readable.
**12:09**
